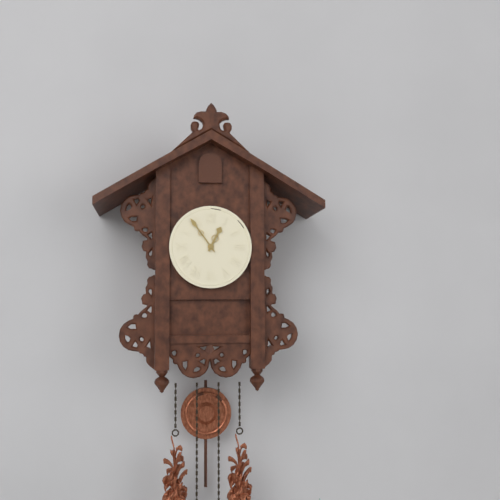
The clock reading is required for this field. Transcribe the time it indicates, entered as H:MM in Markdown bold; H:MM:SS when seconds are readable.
**12:54**
